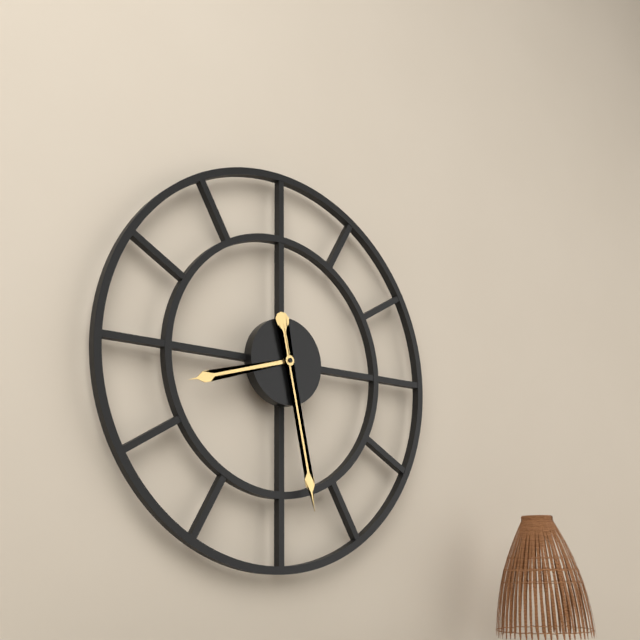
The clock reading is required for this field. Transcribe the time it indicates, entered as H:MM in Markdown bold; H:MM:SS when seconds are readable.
**8:28**
